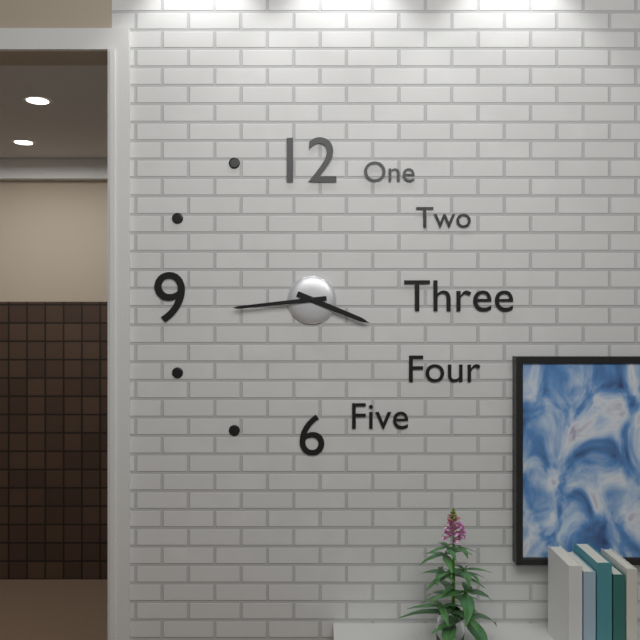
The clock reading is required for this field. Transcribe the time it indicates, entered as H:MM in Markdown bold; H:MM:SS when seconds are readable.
**3:44**
